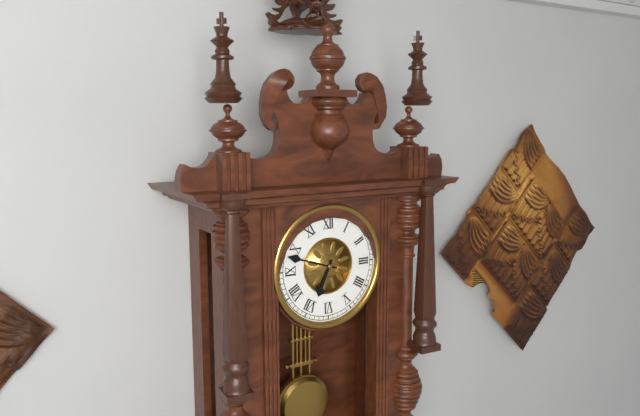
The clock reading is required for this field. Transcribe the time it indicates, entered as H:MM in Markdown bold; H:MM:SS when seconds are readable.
**6:48**
